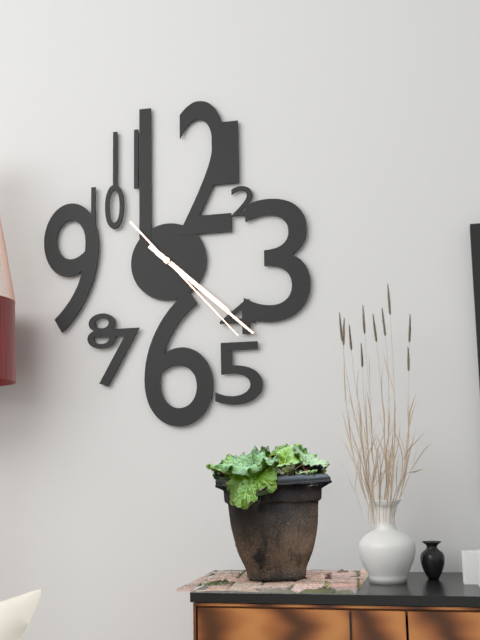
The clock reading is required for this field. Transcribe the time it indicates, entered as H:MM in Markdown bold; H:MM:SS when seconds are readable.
**4:22:23**
